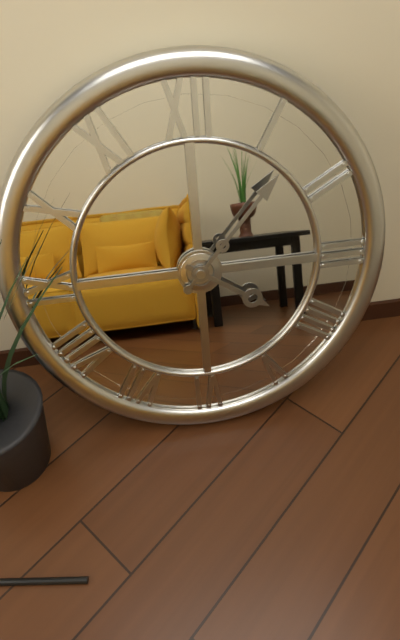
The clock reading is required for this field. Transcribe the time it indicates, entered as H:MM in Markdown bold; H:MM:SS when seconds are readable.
**4:07**
